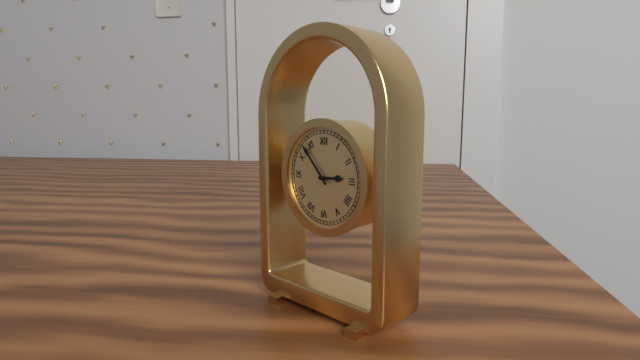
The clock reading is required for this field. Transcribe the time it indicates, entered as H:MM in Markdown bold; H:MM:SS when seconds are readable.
**2:53**
